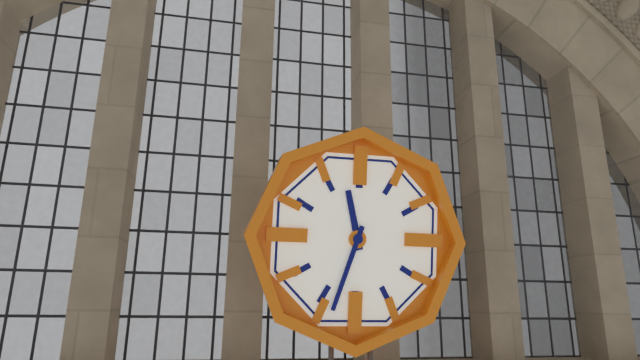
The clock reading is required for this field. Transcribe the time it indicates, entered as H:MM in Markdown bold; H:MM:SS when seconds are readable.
**11:33**
